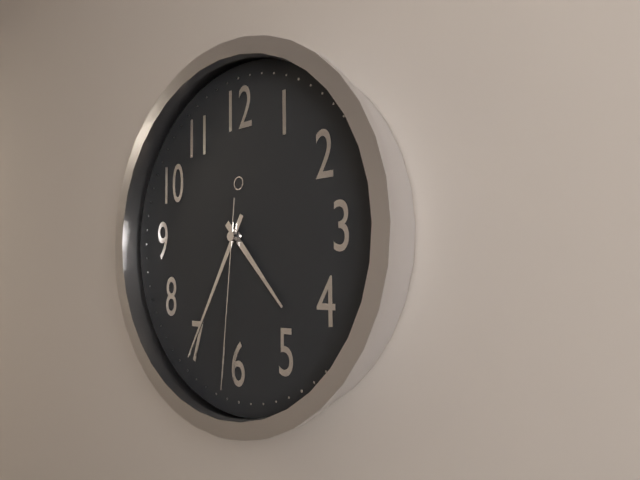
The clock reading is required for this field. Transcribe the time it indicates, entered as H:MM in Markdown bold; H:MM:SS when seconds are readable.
**4:35:31**
